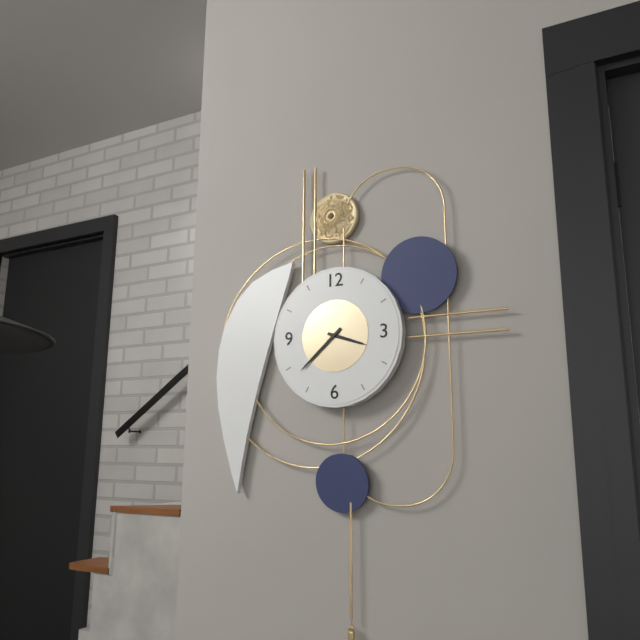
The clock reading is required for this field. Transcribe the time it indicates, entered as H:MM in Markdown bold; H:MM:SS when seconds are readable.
**3:38**
